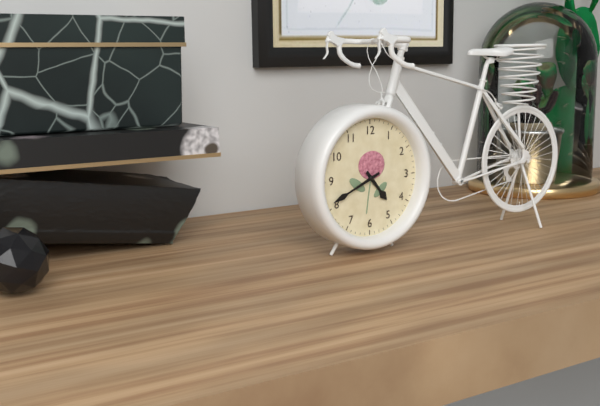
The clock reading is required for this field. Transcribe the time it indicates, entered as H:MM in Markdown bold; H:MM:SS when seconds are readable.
**4:41**
